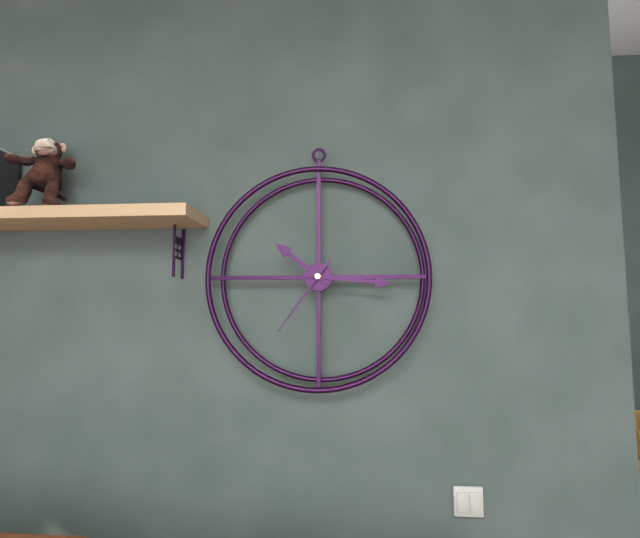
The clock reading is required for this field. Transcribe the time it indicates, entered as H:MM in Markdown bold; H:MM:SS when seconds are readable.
**10:16:36**
